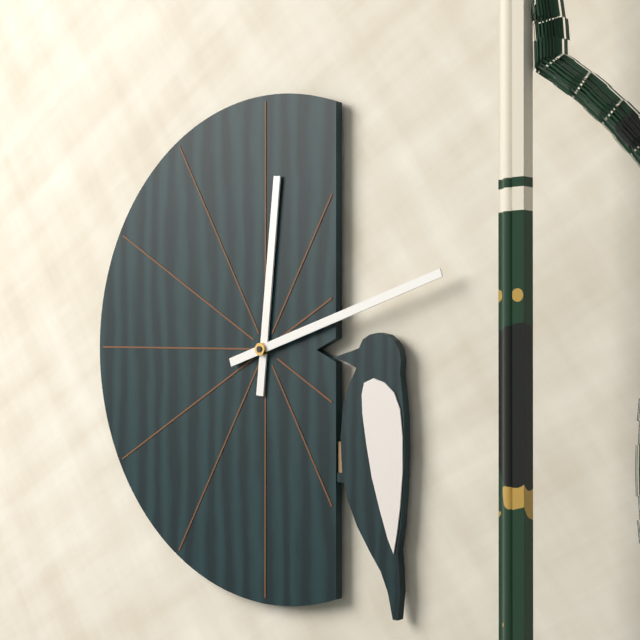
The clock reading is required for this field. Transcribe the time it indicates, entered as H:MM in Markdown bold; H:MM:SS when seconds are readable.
**12:12**
